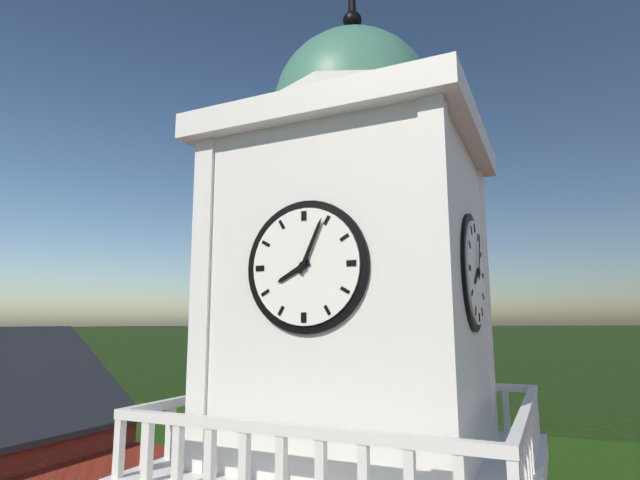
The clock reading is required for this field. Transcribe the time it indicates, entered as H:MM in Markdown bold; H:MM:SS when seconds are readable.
**8:04**
